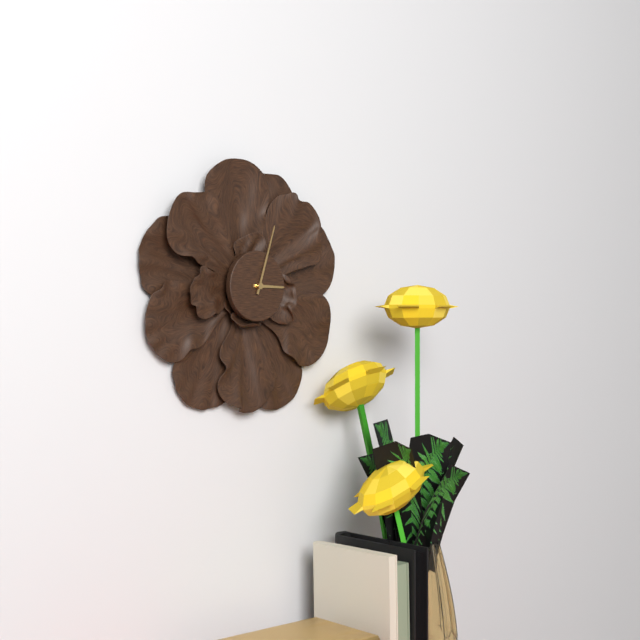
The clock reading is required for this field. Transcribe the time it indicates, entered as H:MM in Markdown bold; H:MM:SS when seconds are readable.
**3:03**
